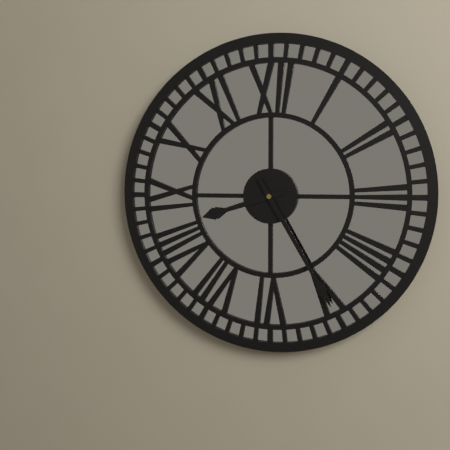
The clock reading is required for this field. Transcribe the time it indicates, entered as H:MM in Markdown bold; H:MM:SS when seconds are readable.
**8:25**
